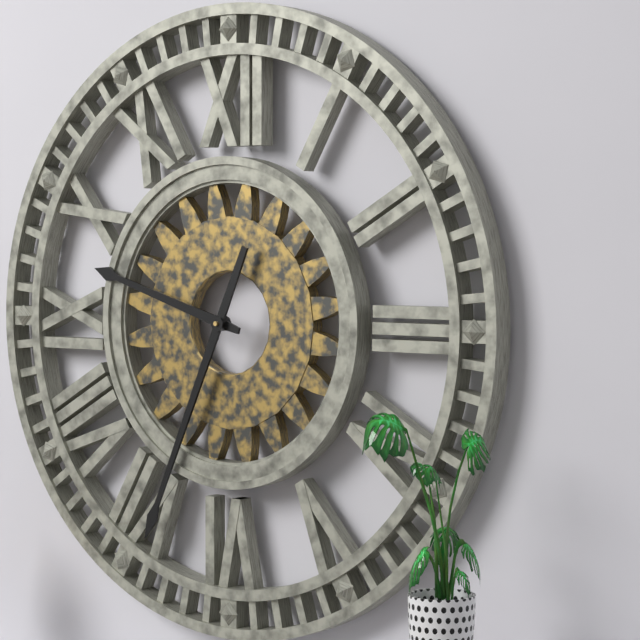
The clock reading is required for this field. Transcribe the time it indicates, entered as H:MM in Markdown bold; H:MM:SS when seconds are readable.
**9:34**
